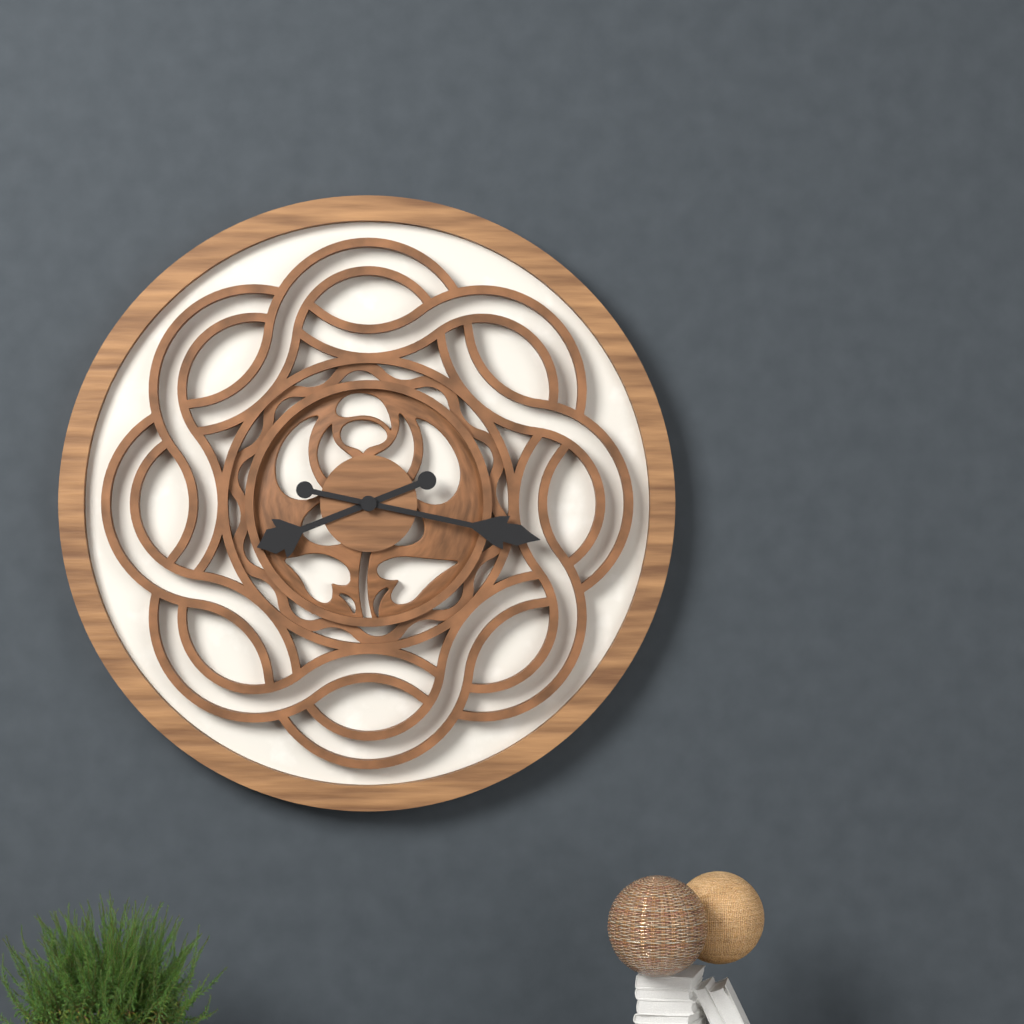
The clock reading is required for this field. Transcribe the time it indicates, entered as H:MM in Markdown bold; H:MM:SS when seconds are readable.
**8:17**
